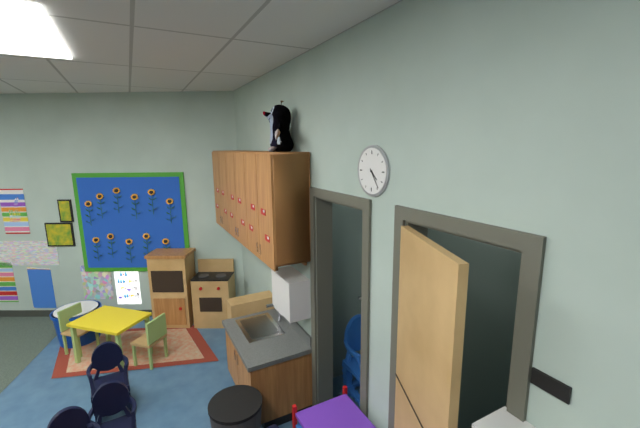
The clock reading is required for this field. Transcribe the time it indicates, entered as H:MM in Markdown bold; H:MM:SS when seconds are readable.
**4:24**
